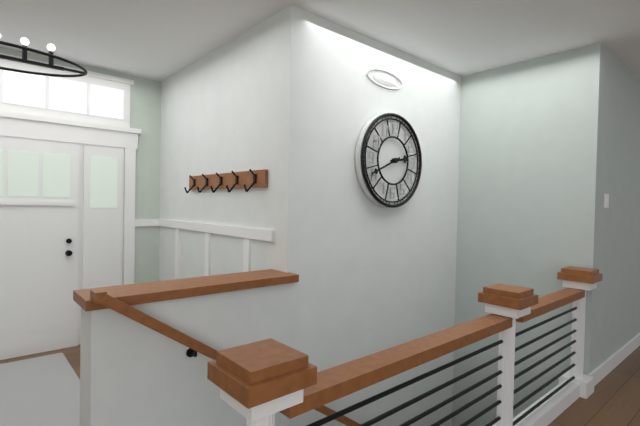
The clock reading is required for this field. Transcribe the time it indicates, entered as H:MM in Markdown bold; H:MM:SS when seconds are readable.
**2:41**
